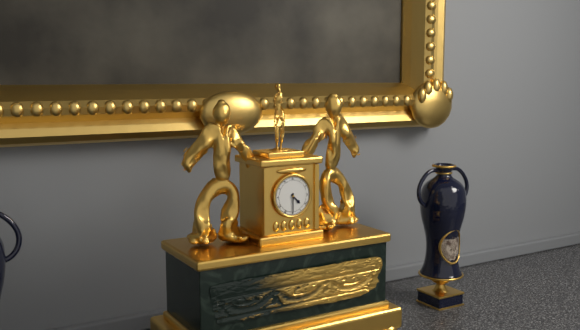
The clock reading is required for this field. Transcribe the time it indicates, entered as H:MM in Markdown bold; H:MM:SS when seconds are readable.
**4:30**
